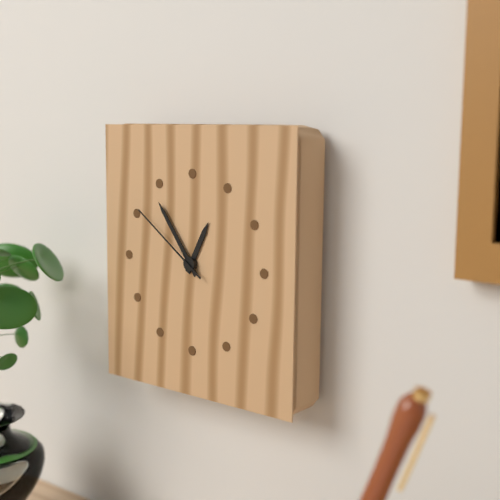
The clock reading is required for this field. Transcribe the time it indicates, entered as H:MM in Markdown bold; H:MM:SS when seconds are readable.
**12:54:51**
